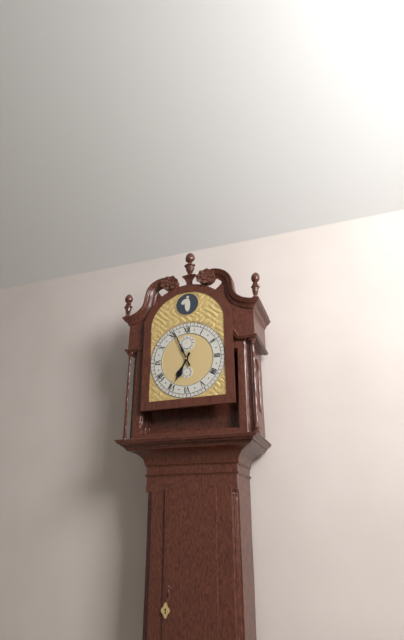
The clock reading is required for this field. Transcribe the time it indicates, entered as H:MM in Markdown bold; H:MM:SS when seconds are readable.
**6:56**
